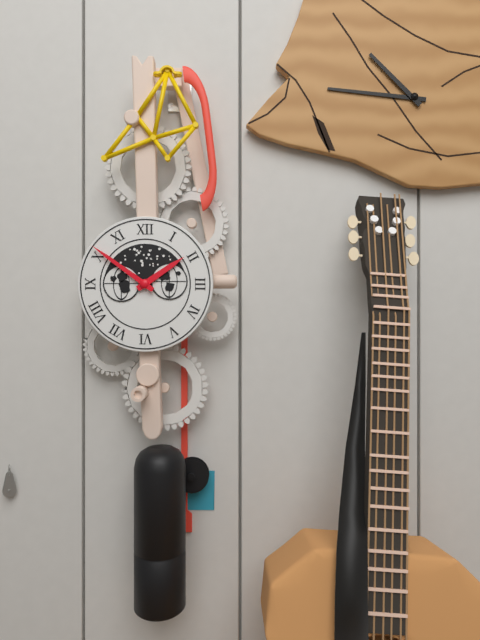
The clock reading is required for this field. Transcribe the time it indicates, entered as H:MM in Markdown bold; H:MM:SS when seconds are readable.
**1:51**
